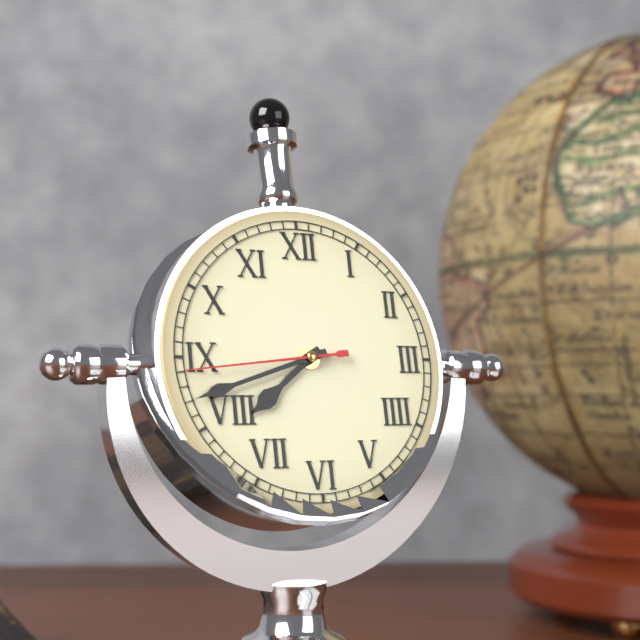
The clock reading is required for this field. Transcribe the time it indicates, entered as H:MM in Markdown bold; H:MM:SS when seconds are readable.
**7:42:44**
